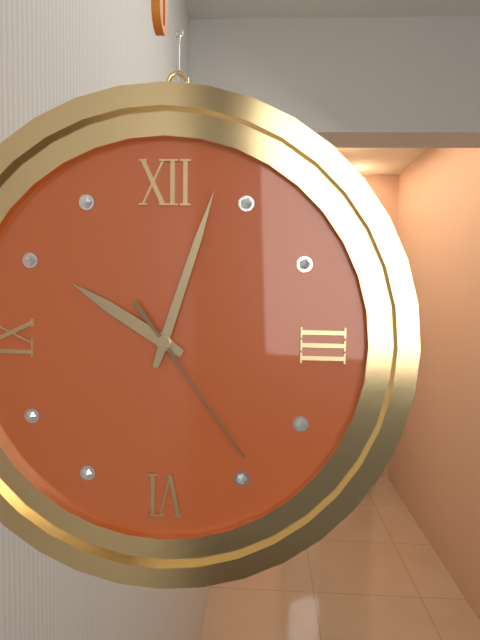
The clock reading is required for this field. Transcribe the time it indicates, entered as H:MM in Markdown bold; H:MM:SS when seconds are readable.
**10:03:24**
